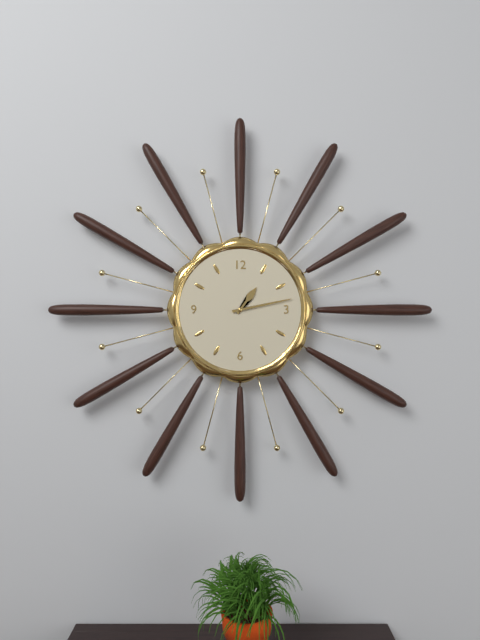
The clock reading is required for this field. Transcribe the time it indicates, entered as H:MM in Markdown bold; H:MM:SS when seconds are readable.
**1:13**
